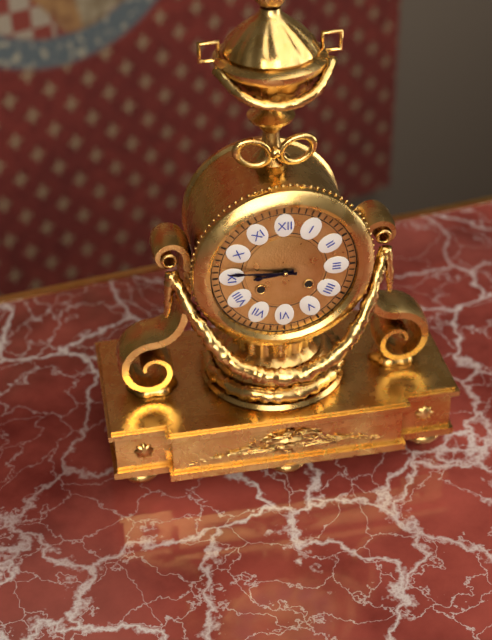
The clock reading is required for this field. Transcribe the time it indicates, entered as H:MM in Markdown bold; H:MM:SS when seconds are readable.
**8:46**
